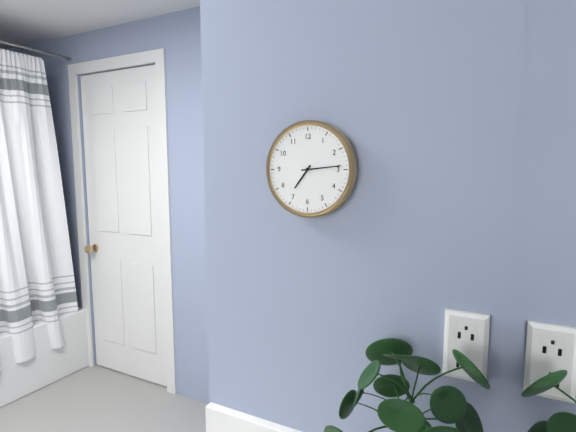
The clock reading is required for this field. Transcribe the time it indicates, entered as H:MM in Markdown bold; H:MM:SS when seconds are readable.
**7:14**
